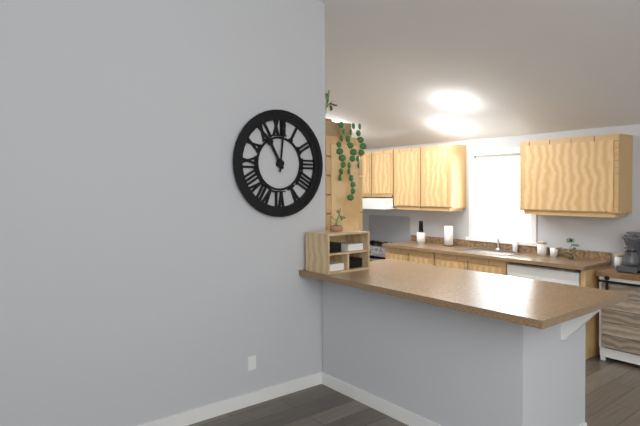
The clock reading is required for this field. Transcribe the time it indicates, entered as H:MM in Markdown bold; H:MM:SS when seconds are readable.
**11:01**
